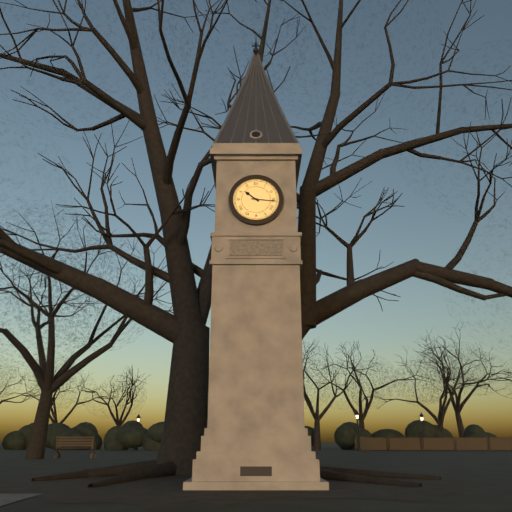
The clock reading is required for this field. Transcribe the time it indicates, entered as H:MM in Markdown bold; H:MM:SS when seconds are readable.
**10:16**
